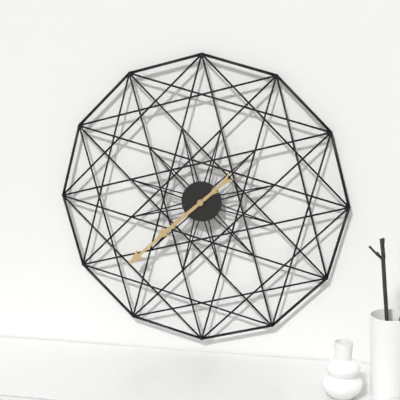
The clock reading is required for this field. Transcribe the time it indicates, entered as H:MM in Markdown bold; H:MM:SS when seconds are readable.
**7:38**
